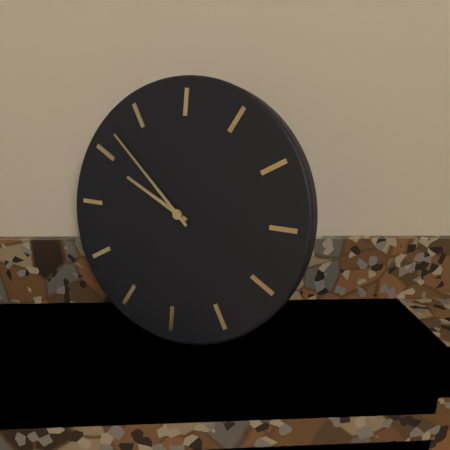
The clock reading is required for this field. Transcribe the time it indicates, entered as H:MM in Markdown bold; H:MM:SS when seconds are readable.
**9:52**
